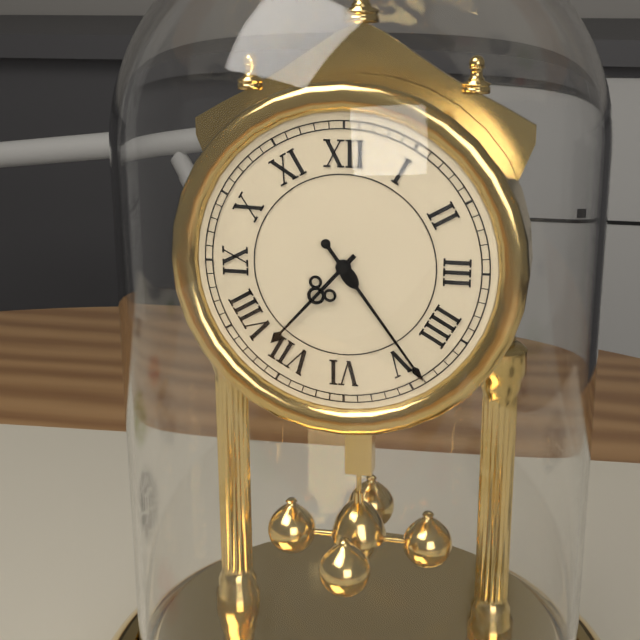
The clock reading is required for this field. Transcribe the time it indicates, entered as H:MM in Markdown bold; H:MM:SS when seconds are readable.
**7:24**
